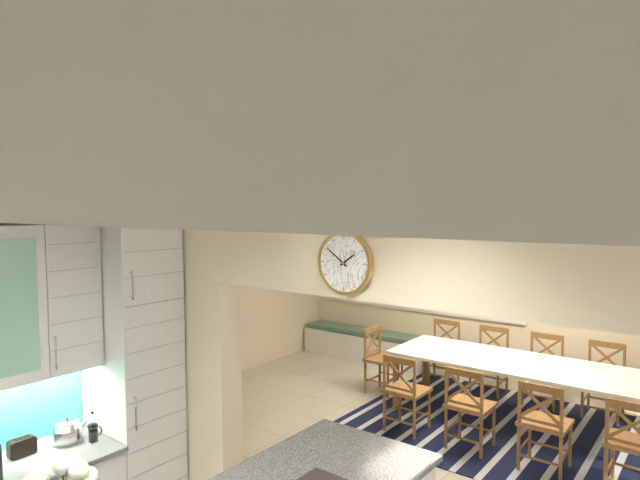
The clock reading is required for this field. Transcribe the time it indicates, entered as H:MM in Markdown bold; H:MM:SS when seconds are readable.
**1:51**
